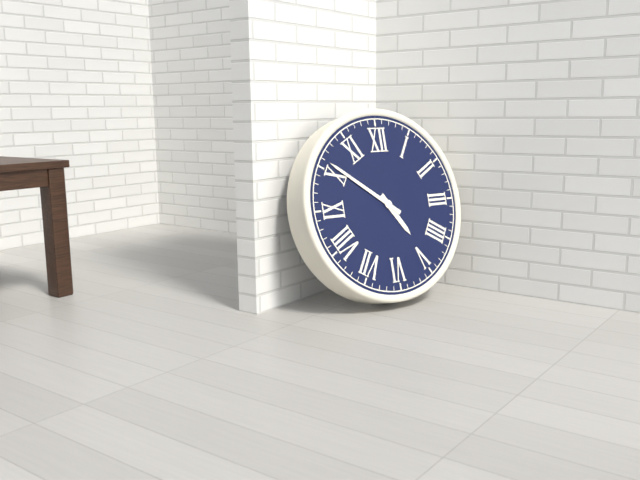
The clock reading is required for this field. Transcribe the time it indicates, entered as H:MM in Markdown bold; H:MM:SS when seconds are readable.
**4:51**
